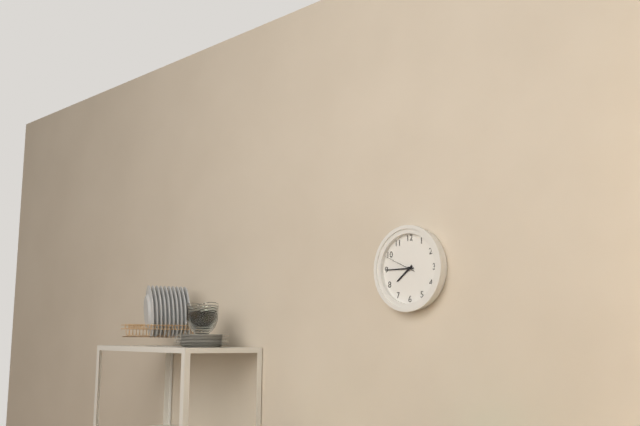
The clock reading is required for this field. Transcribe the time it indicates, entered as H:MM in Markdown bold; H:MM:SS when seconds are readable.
**7:45**
